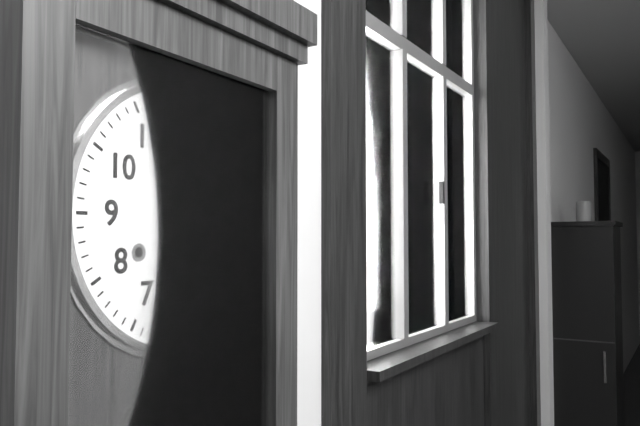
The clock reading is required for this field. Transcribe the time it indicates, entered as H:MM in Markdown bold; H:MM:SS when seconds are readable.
**2:01**
